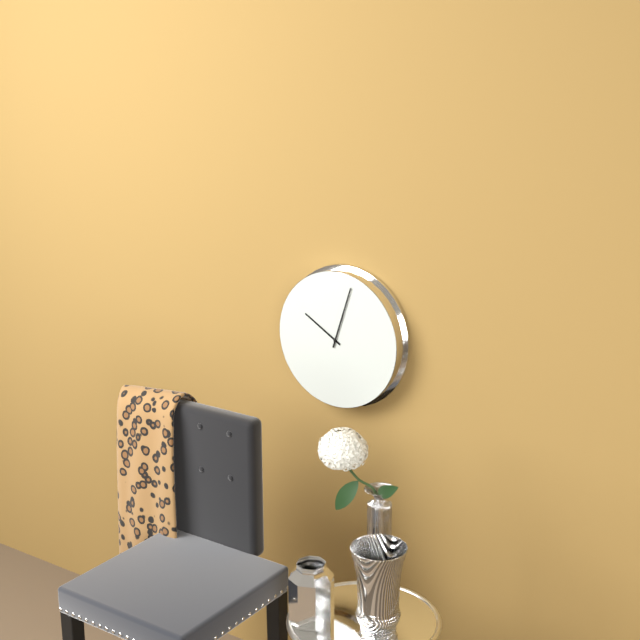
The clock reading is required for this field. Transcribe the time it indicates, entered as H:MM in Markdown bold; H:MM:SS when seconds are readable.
**10:03**
